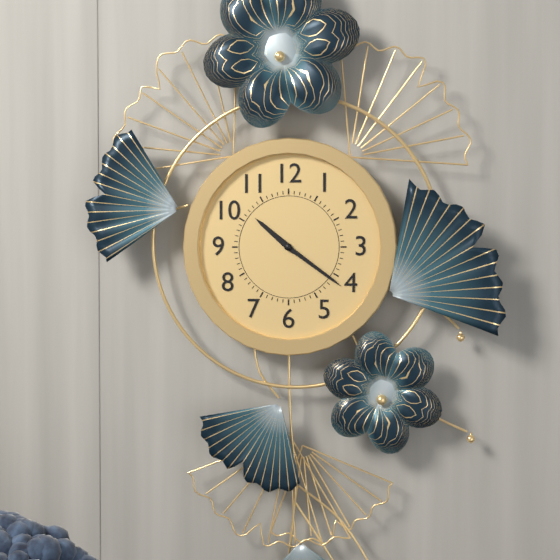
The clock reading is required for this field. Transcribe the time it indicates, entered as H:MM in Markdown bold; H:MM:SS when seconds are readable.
**10:21**
